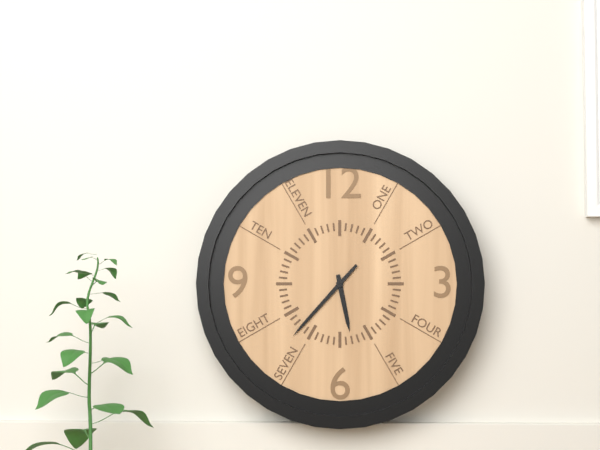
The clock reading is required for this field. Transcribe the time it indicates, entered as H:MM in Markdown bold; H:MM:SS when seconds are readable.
**5:37**
